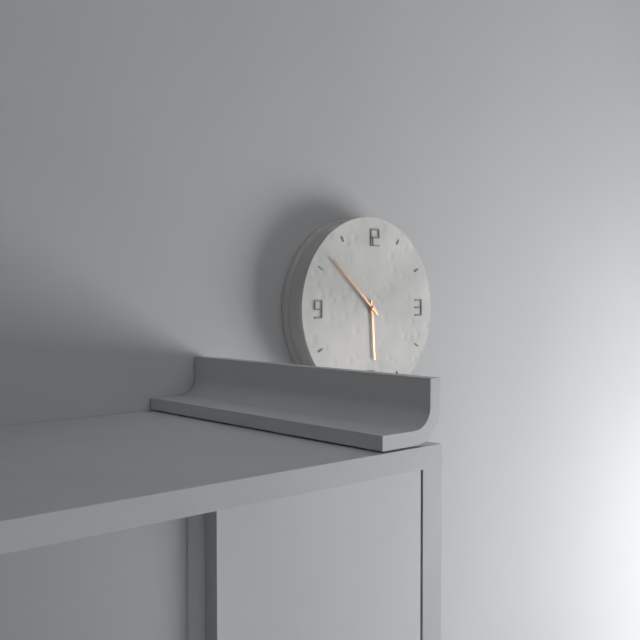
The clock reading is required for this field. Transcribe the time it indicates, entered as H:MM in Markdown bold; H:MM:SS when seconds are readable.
**5:52**
